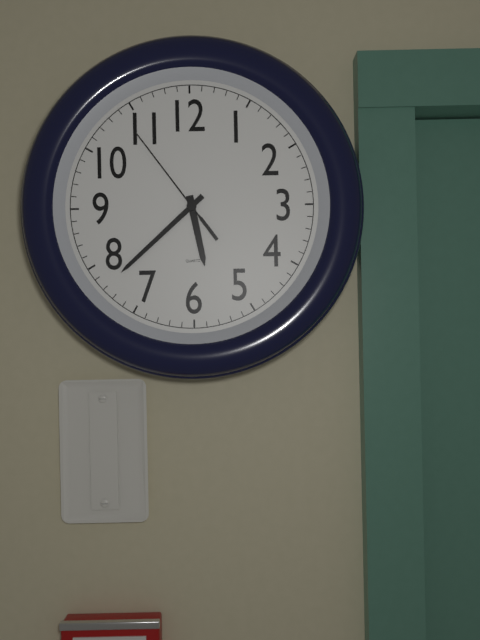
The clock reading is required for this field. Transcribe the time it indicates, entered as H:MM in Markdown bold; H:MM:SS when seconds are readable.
**5:38:54**
